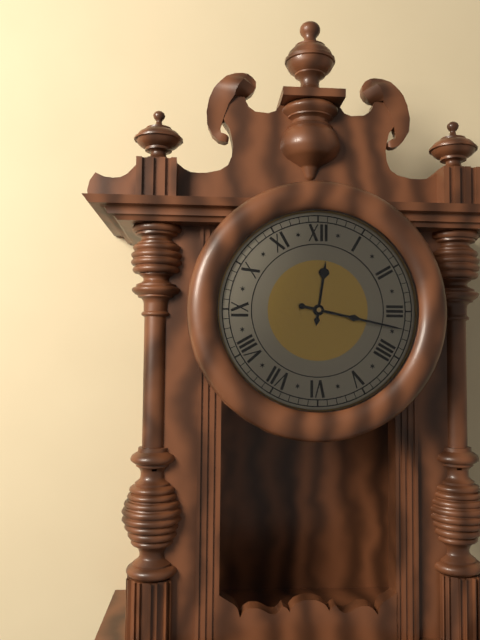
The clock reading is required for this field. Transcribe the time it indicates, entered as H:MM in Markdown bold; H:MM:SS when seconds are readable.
**12:17**
